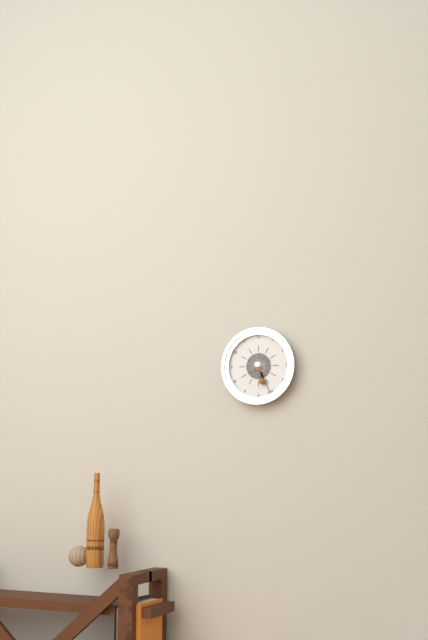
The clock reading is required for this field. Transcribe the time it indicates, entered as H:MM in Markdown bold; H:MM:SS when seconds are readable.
**5:26**
